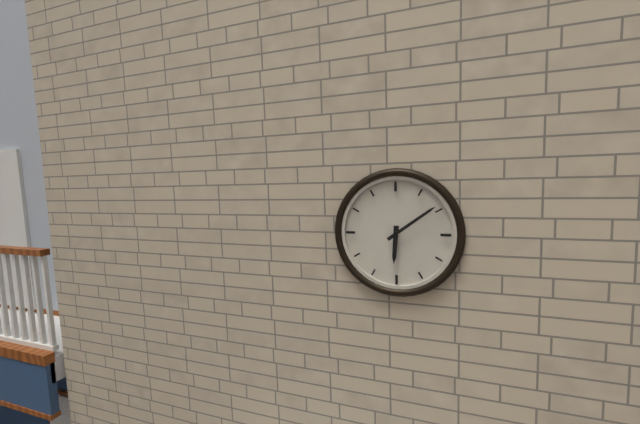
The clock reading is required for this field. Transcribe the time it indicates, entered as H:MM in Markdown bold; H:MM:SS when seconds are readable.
**6:09**
